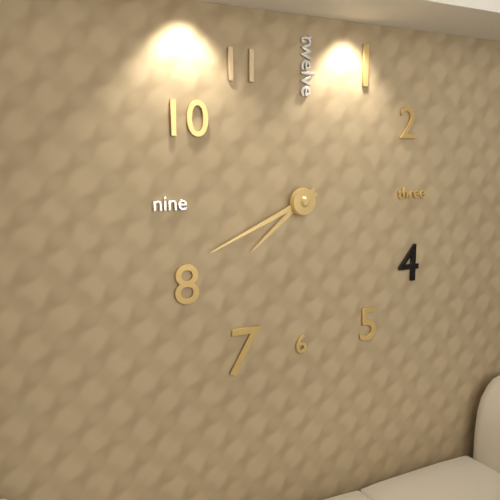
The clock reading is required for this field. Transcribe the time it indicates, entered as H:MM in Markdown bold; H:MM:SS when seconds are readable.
**7:41**
